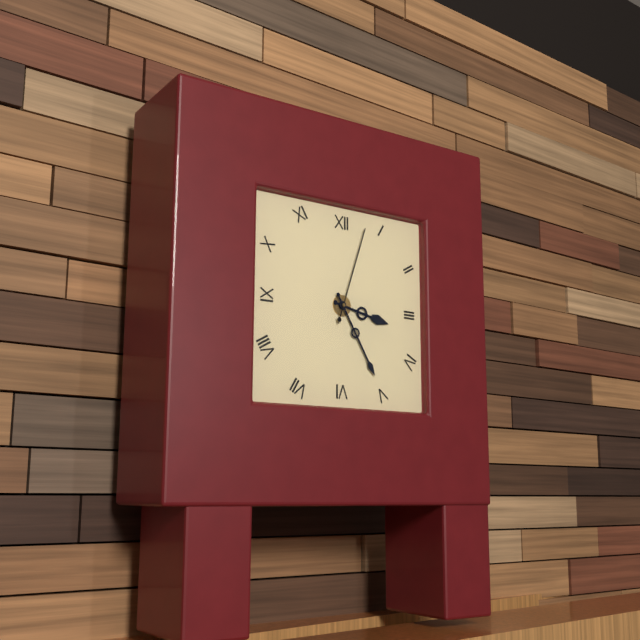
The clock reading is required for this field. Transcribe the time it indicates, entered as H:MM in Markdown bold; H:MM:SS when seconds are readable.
**3:25:03**
